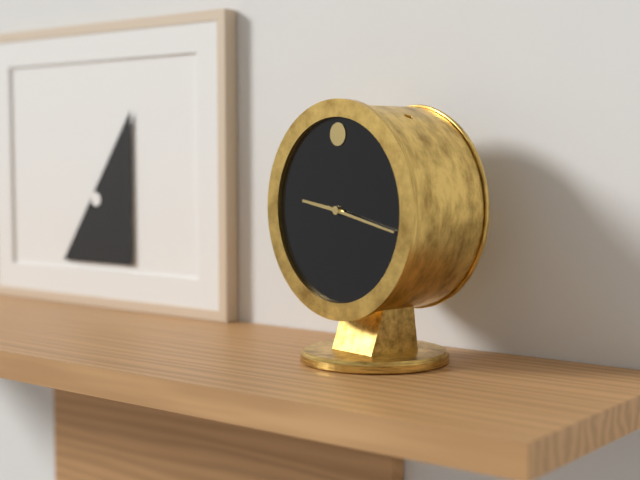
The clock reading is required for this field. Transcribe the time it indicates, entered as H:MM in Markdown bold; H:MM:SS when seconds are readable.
**9:17**
